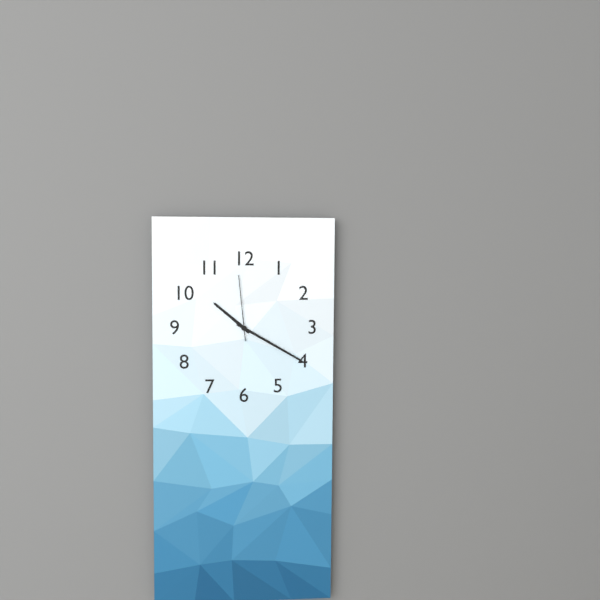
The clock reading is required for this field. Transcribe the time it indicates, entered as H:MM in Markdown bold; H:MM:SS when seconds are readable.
**10:20:59**
